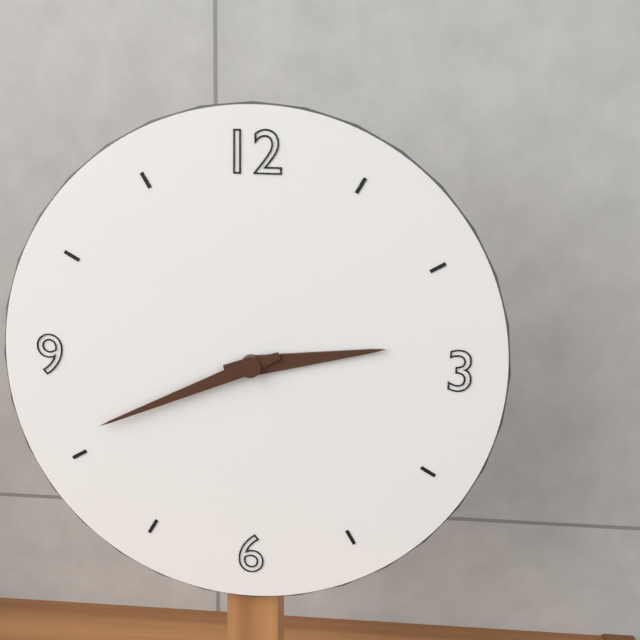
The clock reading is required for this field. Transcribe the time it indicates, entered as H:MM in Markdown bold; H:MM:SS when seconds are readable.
**2:41**
